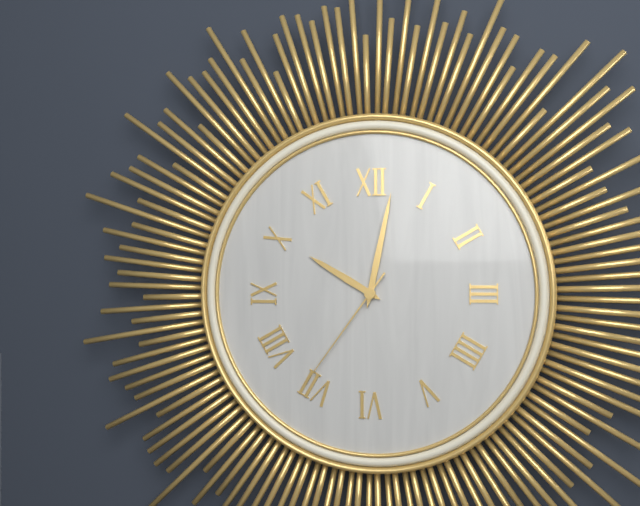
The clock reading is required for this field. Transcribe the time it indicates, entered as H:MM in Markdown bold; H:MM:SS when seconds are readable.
**10:02:36**
